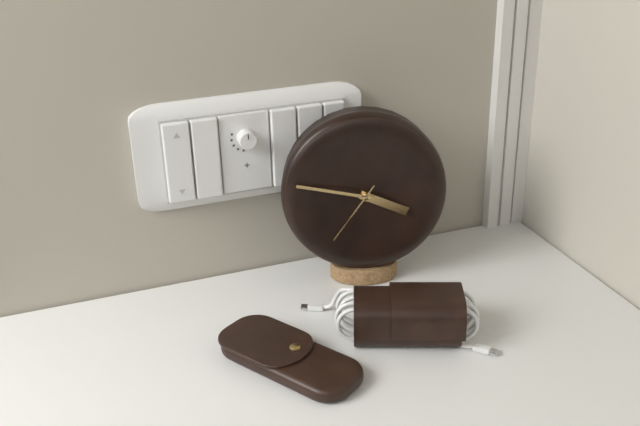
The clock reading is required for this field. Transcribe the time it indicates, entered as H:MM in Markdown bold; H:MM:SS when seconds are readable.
**3:47:36**
